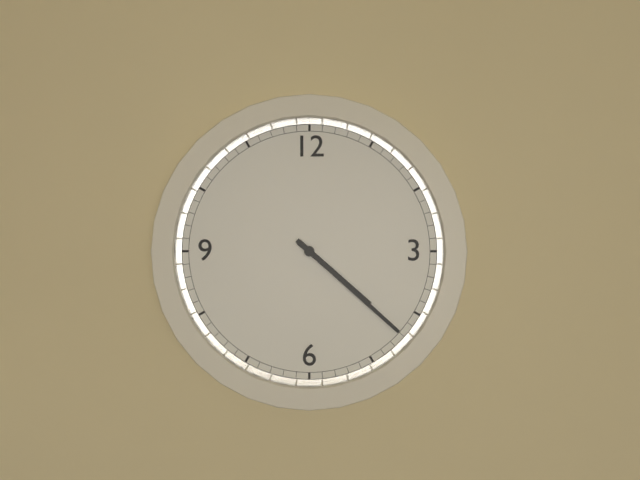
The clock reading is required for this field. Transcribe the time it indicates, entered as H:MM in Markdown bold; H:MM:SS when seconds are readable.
**4:22**
